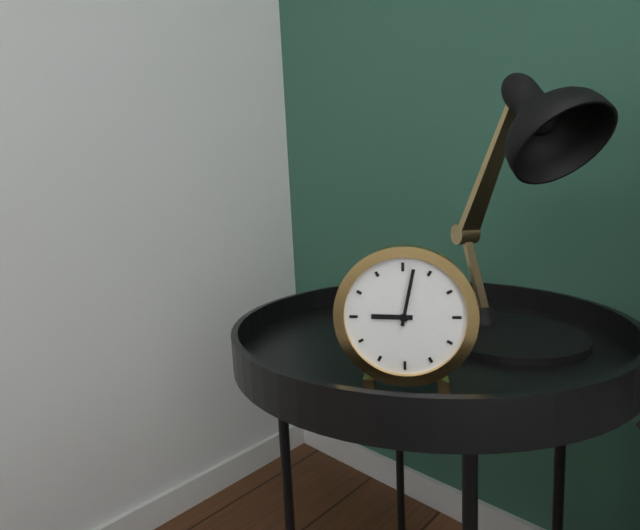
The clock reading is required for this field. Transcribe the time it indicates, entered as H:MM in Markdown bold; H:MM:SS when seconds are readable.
**9:02**
